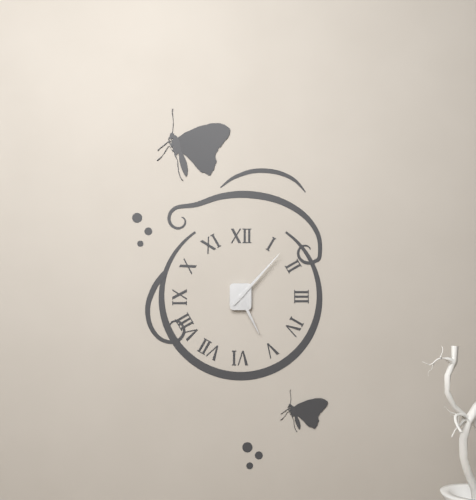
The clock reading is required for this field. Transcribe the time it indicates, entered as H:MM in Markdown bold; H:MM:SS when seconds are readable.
**5:07**
